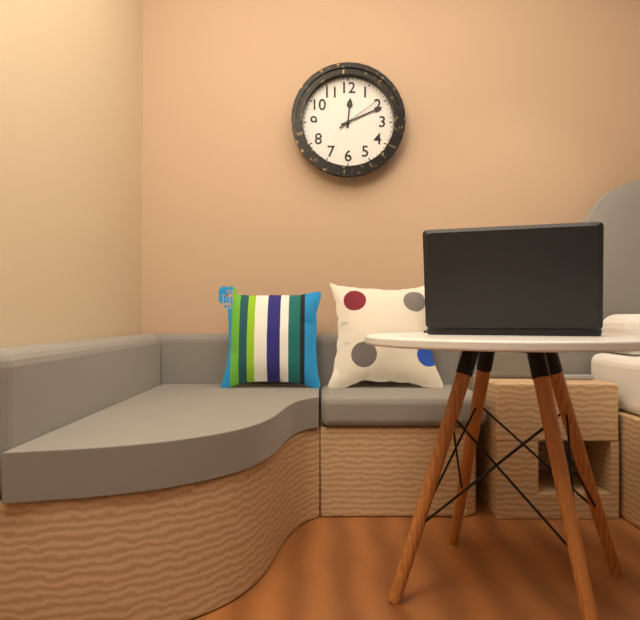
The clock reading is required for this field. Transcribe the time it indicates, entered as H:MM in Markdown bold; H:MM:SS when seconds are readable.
**12:11**
